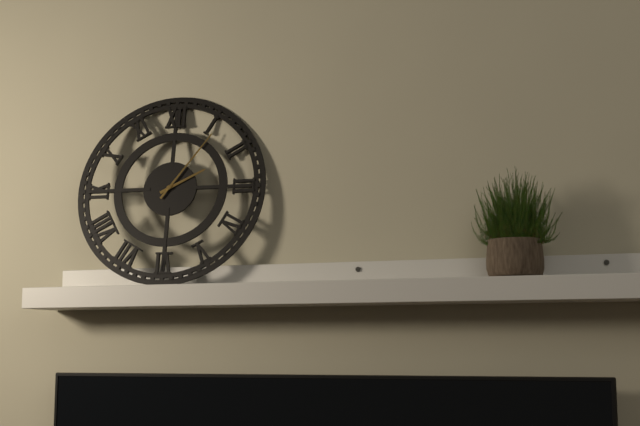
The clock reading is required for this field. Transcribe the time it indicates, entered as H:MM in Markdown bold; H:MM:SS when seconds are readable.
**2:06**
